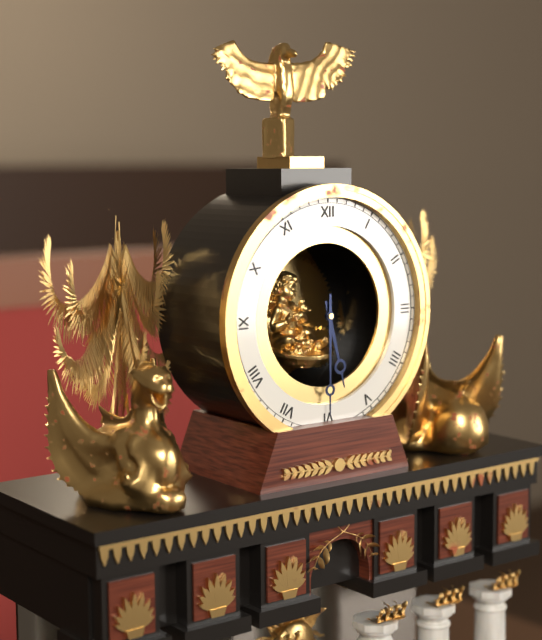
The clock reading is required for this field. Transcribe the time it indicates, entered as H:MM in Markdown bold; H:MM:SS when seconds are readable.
**5:30**
